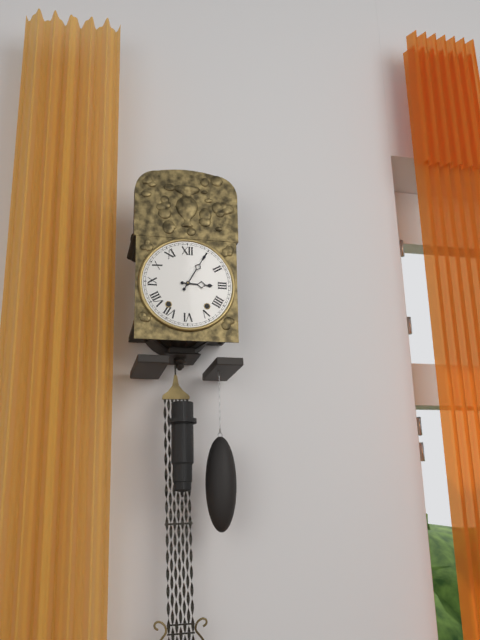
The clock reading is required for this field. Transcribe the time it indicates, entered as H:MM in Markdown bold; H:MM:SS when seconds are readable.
**3:05**
